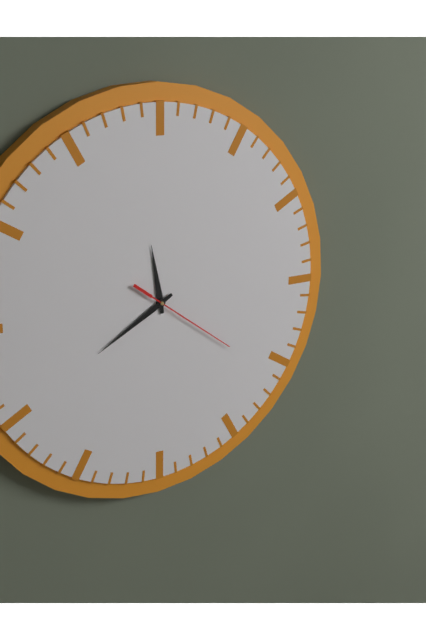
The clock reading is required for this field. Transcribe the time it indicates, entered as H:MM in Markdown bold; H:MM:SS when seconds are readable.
**11:40:21**
